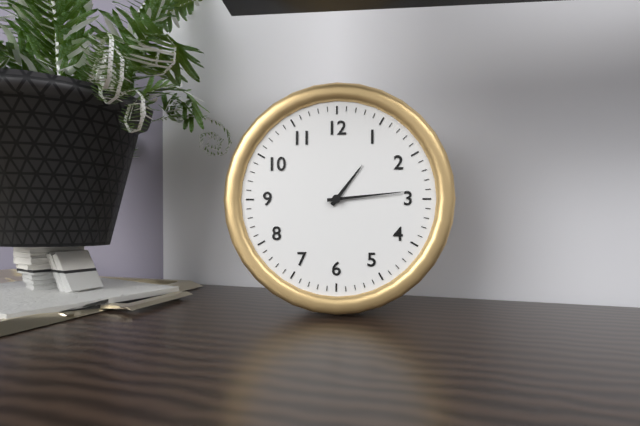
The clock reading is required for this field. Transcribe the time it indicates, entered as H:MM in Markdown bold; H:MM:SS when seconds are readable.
**1:14**
